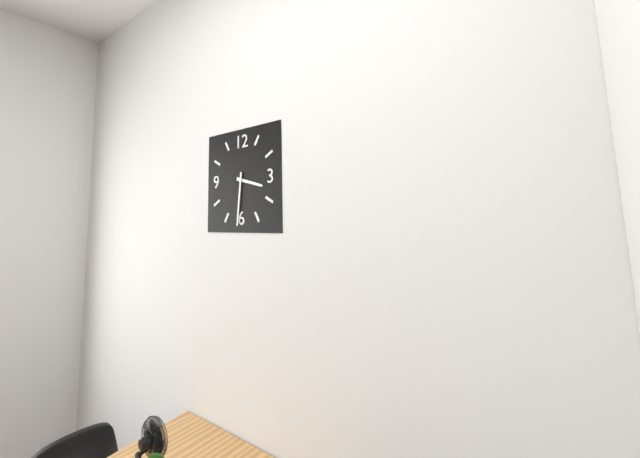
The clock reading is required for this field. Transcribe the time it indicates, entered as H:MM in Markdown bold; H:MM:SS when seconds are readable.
**3:31**
